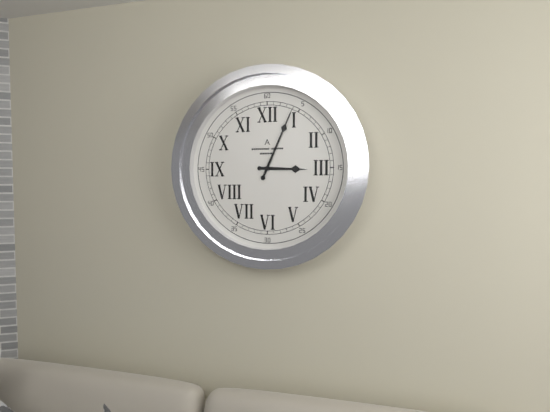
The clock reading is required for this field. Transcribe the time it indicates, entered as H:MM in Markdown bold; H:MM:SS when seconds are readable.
**3:04**
